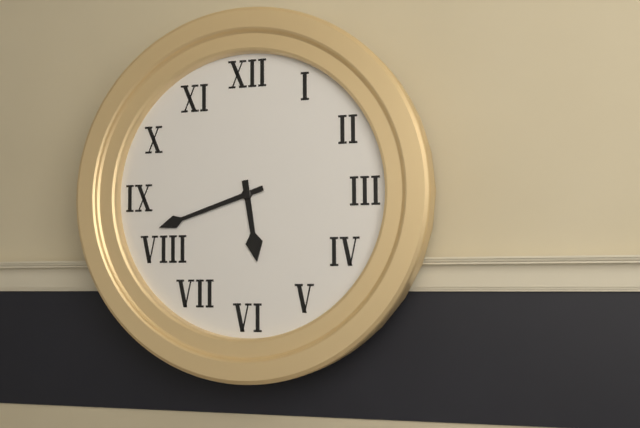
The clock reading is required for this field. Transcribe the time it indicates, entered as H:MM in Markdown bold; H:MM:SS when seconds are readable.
**5:42**
